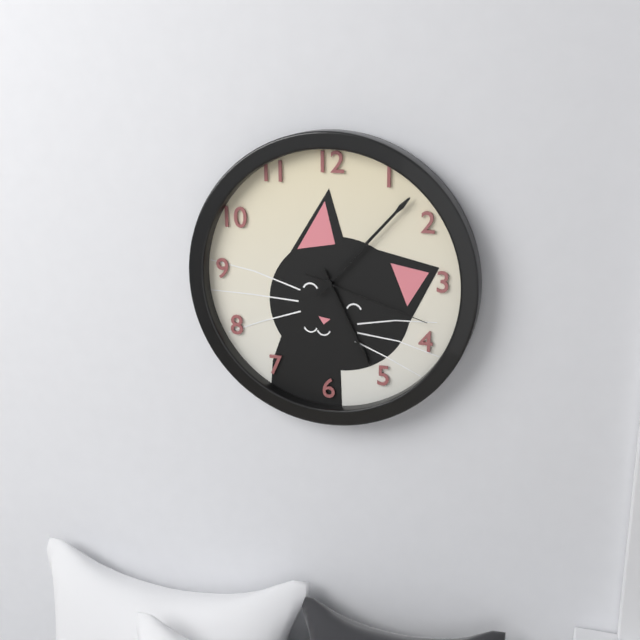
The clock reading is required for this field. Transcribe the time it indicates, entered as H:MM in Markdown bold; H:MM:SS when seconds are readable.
**5:07:18**
